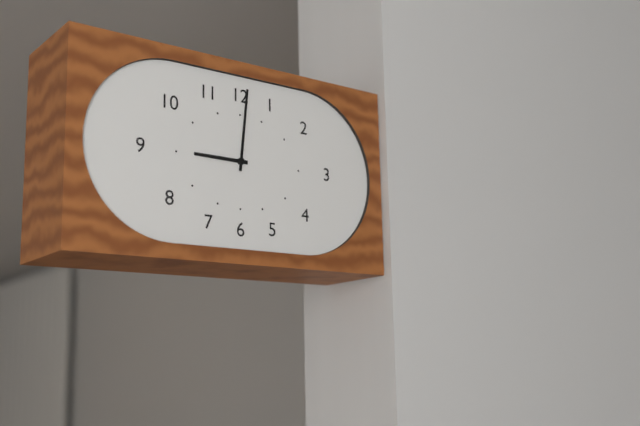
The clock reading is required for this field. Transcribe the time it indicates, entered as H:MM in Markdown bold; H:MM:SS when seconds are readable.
**9:01**
